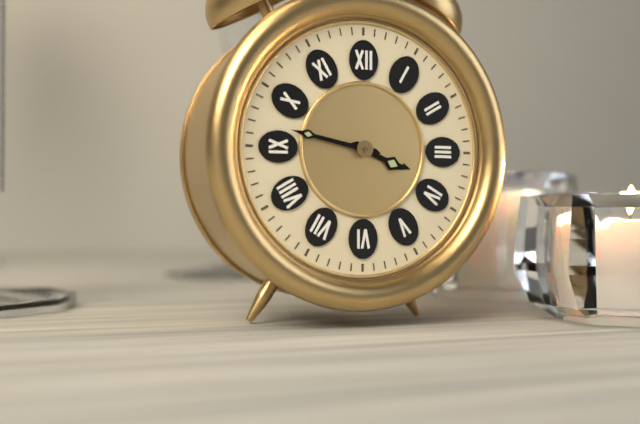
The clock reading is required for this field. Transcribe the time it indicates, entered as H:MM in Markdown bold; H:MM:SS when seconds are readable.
**3:47**
